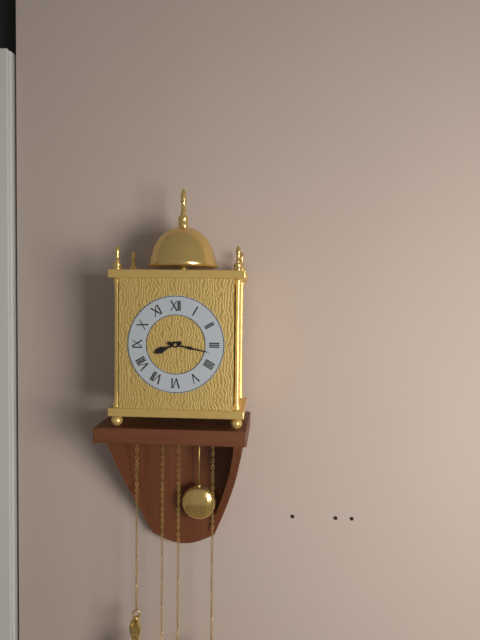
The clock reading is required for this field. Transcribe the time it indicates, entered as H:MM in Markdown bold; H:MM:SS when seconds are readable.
**8:17**
